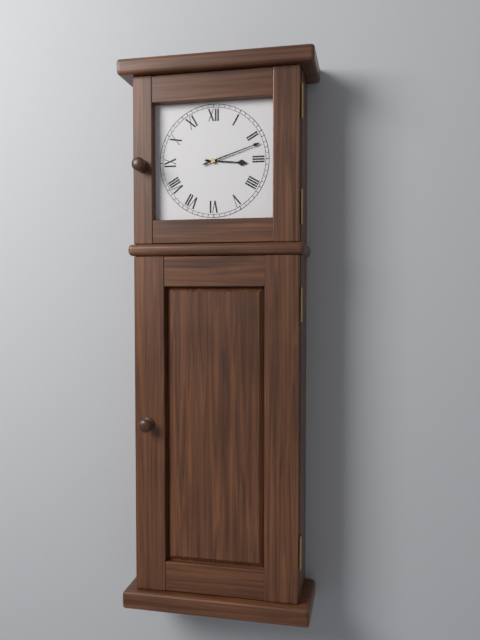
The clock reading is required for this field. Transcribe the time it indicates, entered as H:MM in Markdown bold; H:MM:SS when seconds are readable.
**3:12**
